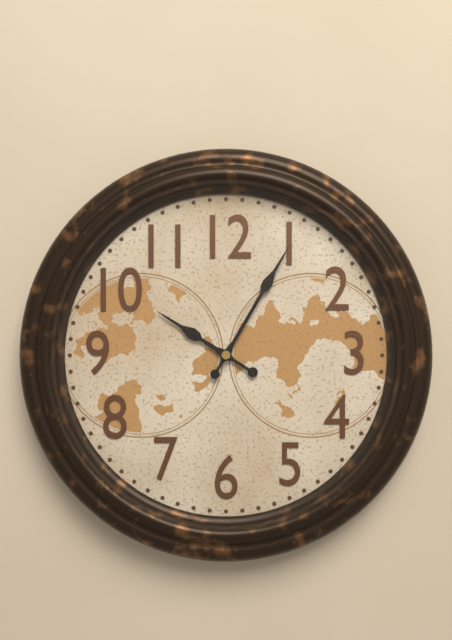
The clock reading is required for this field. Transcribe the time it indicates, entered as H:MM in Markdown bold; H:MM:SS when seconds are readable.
**10:05**
